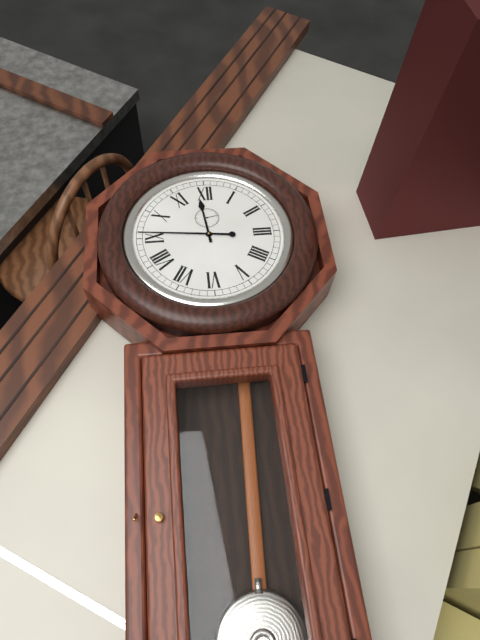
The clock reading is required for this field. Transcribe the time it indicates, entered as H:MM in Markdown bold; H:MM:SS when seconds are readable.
**11:46**
